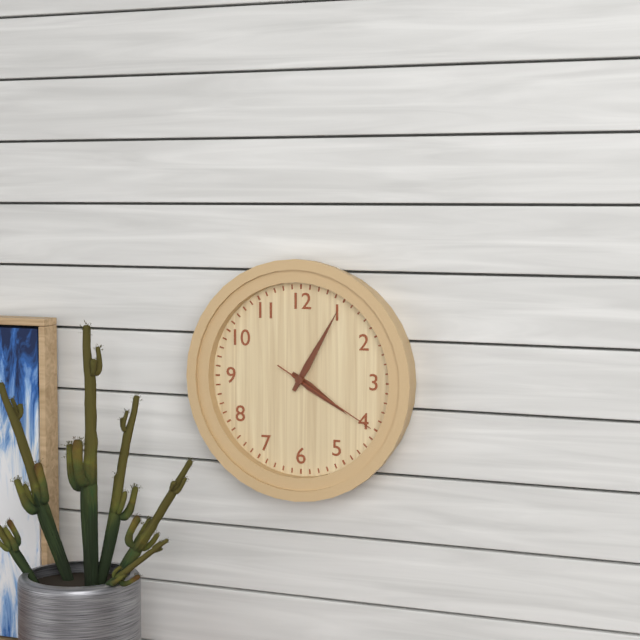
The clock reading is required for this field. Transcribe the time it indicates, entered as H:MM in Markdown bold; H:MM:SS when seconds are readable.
**4:05:20**
